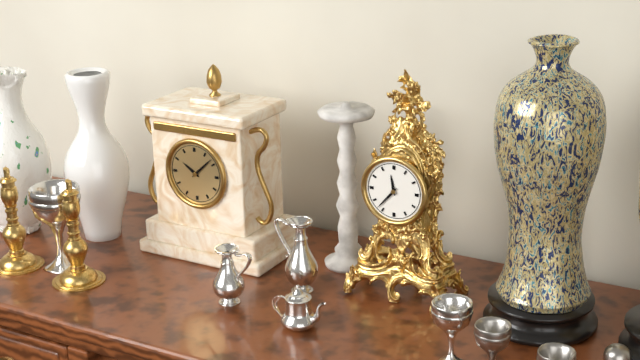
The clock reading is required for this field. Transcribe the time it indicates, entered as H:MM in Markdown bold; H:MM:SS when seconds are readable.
**11:37**
